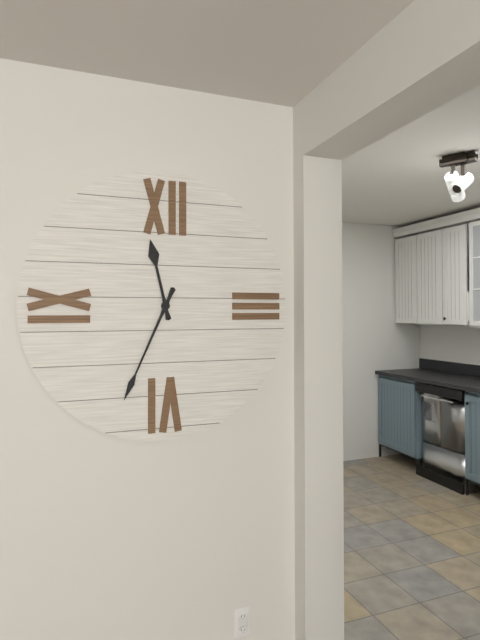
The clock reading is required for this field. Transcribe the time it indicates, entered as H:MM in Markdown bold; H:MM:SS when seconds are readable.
**11:34**
